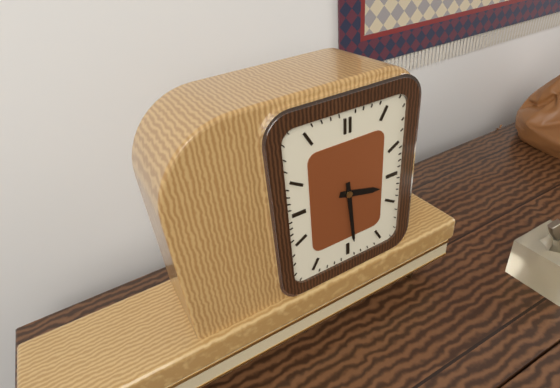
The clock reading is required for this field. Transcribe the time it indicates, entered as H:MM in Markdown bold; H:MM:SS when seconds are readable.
**3:29**
